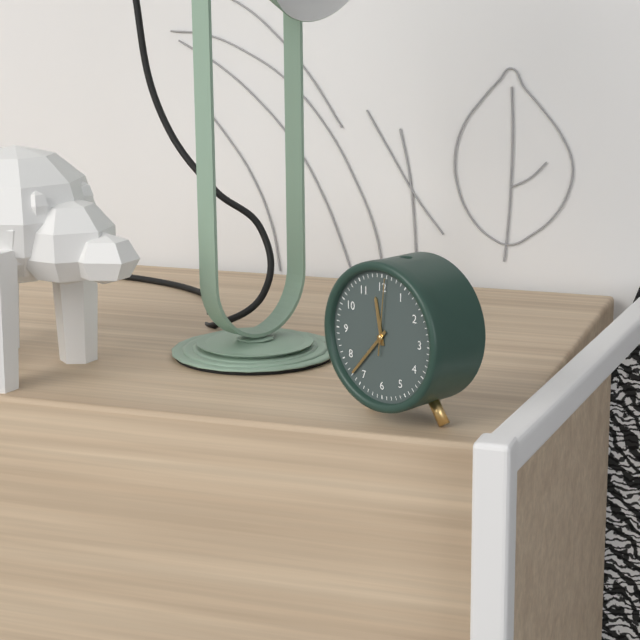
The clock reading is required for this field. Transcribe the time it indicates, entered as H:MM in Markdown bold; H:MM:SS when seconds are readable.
**11:37:01**
